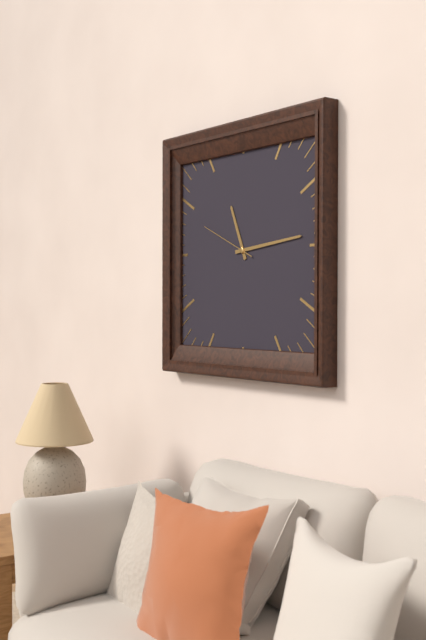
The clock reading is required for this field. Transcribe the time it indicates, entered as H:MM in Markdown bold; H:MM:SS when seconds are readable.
**11:14:49**
